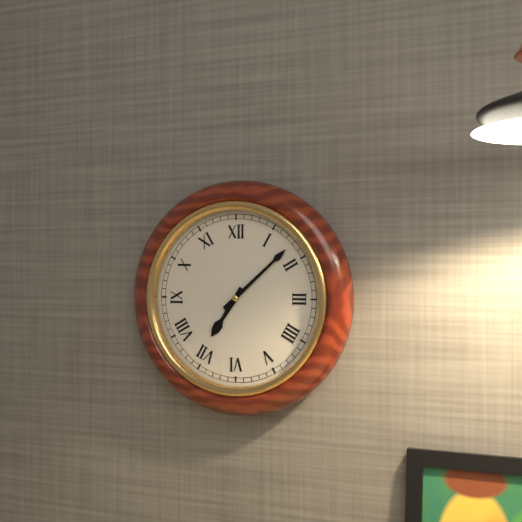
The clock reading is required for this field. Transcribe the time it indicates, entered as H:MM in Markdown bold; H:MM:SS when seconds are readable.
**7:08**
